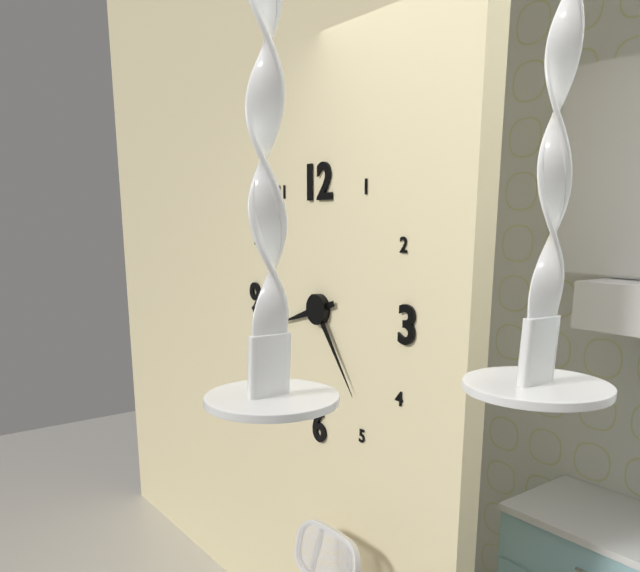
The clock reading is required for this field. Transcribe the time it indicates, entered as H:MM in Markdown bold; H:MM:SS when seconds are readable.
**8:24**
